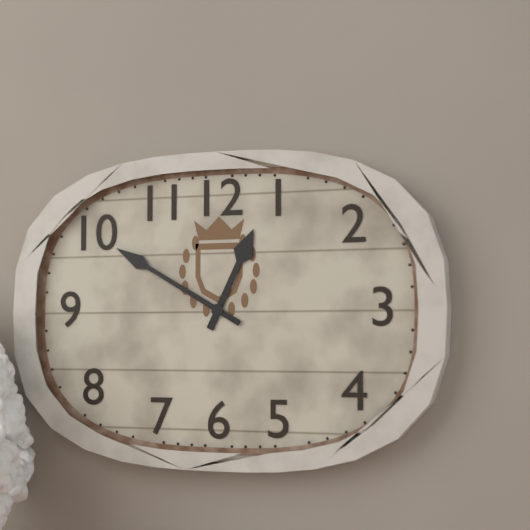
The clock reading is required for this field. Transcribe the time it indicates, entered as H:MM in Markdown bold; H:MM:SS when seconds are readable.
**12:50**
